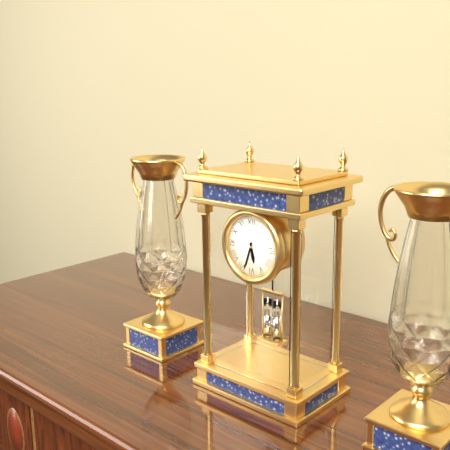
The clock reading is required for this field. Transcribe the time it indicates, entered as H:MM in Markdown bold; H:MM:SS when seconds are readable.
**5:33**
